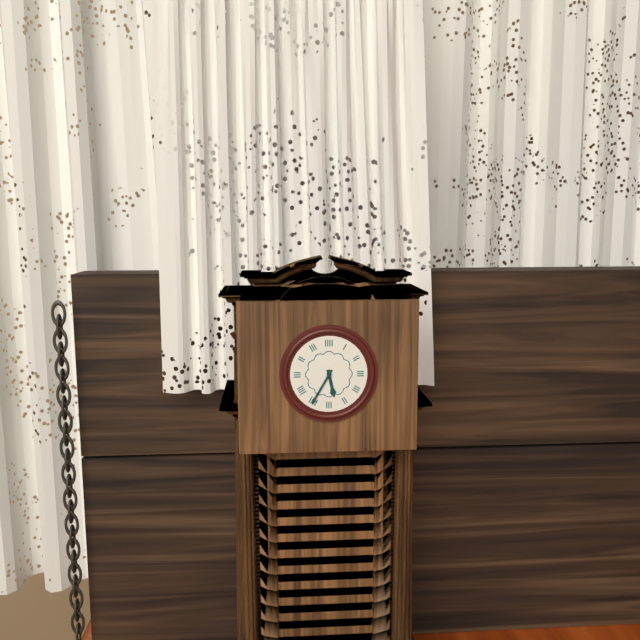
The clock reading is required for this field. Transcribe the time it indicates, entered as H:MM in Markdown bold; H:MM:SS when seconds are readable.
**5:35**
